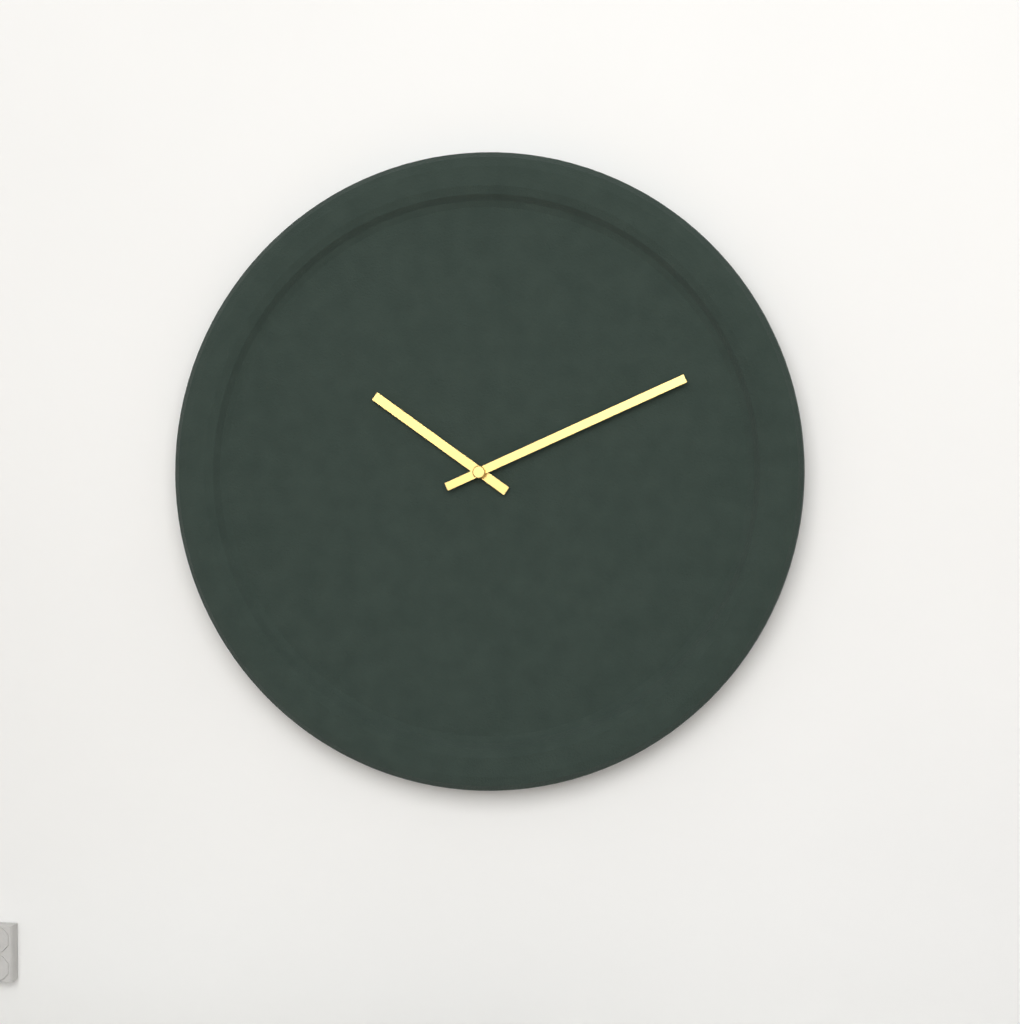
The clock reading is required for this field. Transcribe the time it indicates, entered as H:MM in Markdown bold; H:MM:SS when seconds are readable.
**10:11**
